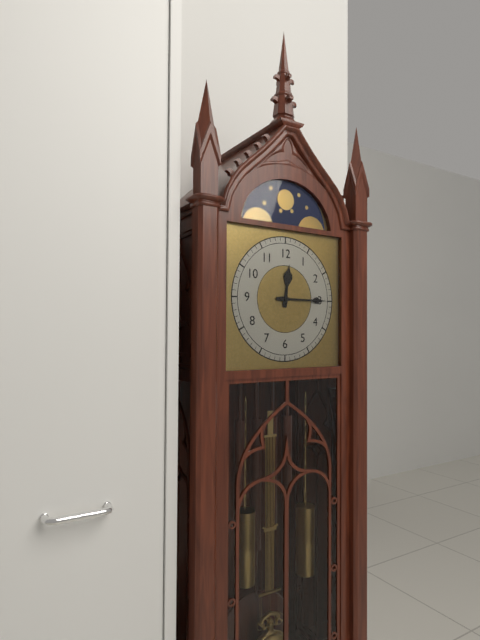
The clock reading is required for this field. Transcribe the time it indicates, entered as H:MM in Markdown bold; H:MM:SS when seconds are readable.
**12:15**
